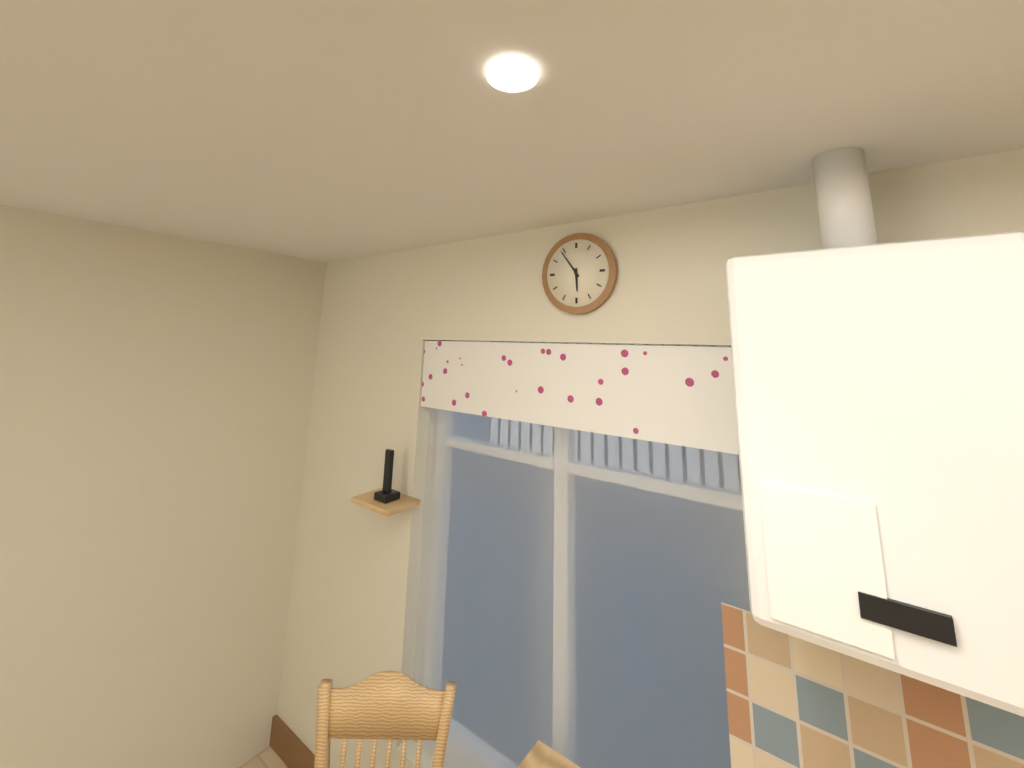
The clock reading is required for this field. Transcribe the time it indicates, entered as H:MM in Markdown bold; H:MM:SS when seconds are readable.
**5:54**
